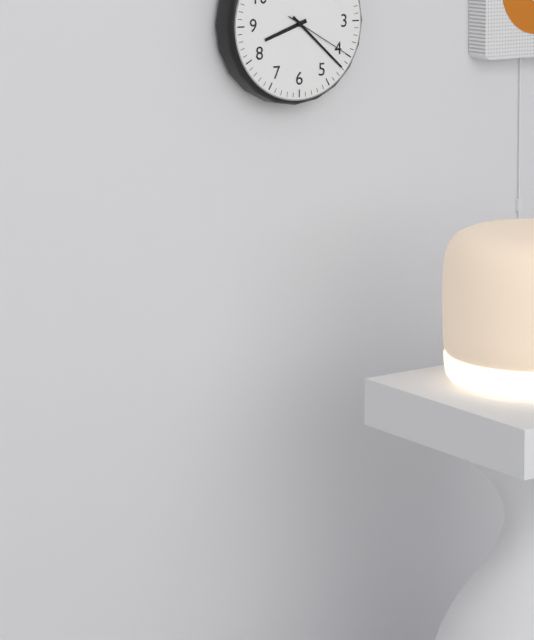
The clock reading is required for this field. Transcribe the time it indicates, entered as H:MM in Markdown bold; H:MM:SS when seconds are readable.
**8:22:20**
